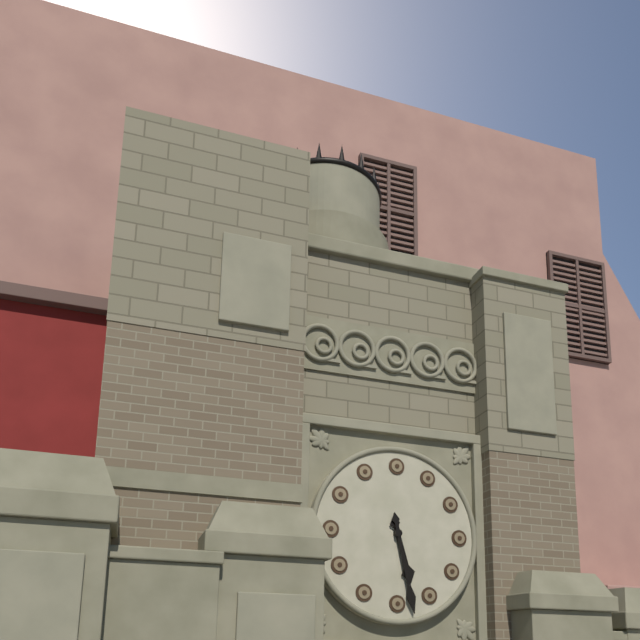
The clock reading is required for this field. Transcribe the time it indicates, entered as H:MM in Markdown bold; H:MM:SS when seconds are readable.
**5:28**
